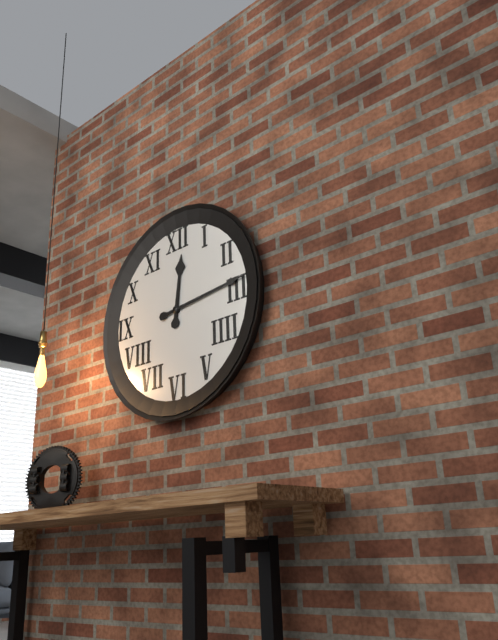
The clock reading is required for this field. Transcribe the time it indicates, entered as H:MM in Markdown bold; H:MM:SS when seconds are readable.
**12:14**
